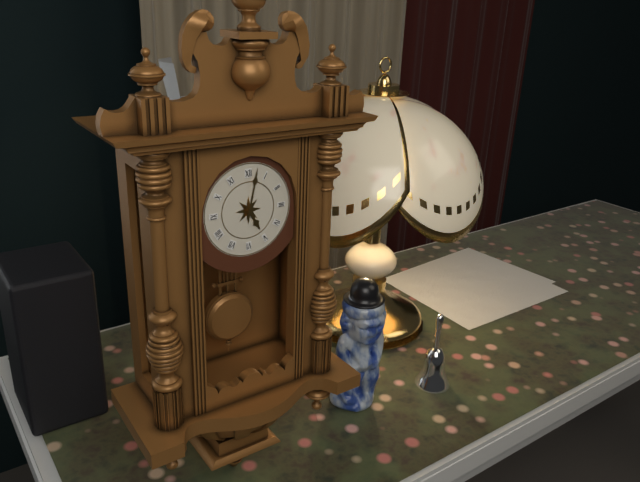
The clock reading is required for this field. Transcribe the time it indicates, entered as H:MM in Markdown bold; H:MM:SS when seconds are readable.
**5:02**
